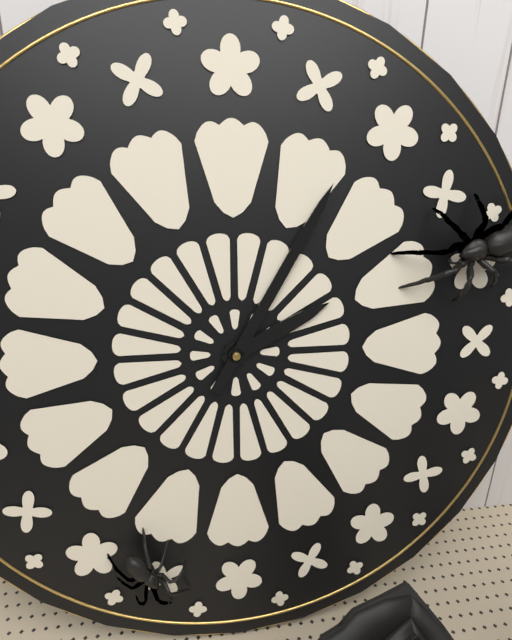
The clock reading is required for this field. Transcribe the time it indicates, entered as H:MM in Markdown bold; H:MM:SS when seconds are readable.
**2:05**
